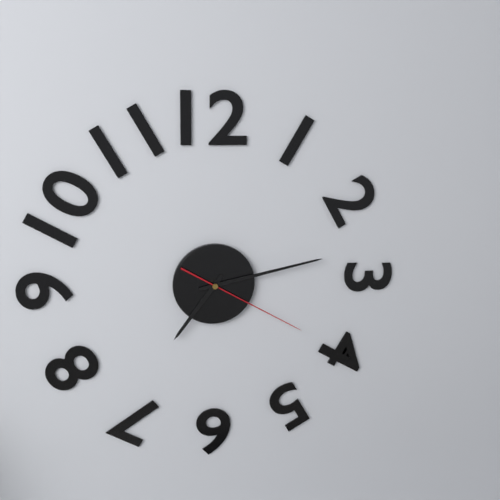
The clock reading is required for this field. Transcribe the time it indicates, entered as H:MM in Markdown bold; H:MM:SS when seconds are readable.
**7:13:20**
